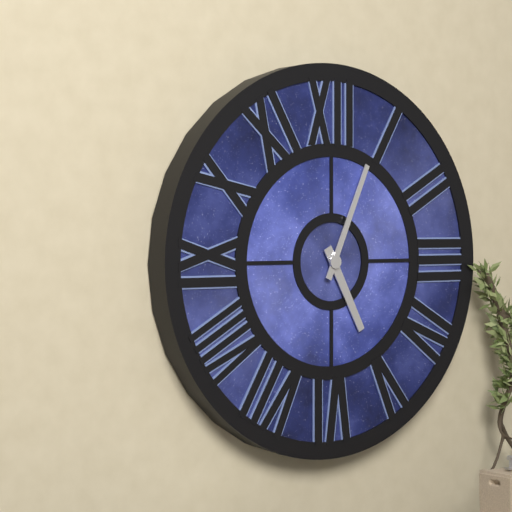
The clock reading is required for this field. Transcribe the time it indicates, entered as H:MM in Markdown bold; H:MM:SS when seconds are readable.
**5:04**
